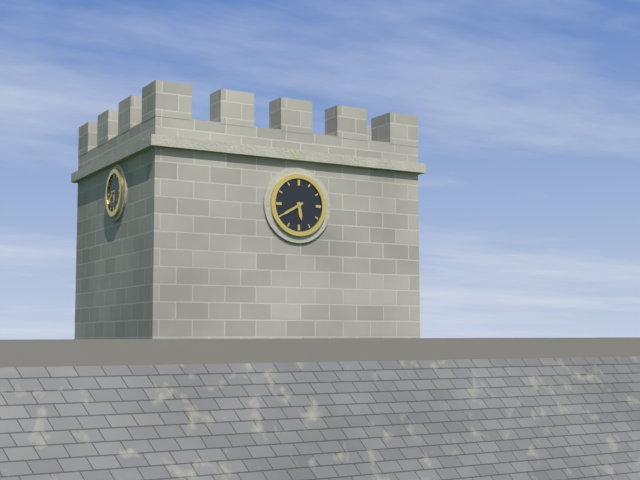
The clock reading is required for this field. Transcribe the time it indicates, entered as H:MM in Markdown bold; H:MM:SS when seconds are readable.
**5:40**
